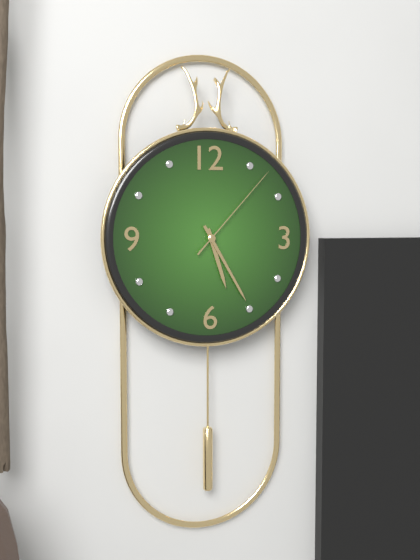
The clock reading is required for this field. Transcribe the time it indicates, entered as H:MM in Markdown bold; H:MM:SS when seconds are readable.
**5:25:07**
